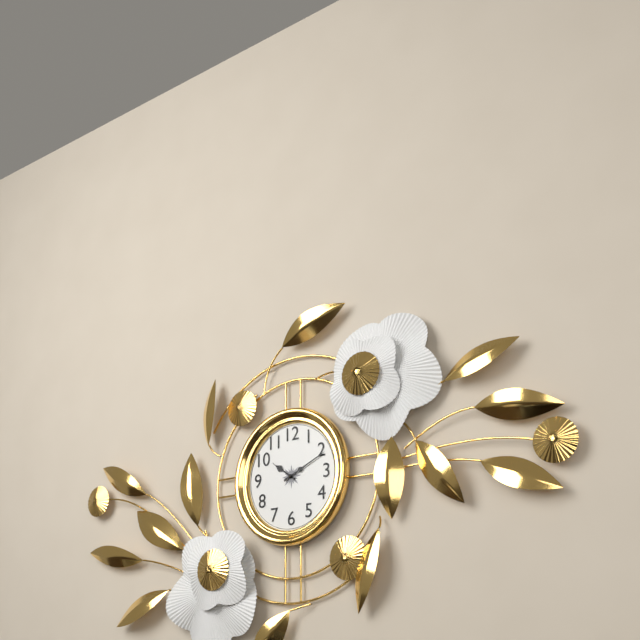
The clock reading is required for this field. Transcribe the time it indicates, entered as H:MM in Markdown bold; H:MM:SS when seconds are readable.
**10:11**
